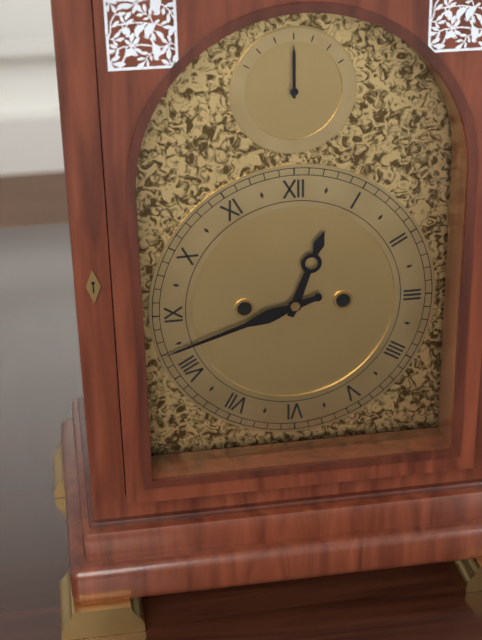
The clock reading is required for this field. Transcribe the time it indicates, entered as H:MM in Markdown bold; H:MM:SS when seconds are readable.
**12:42**
